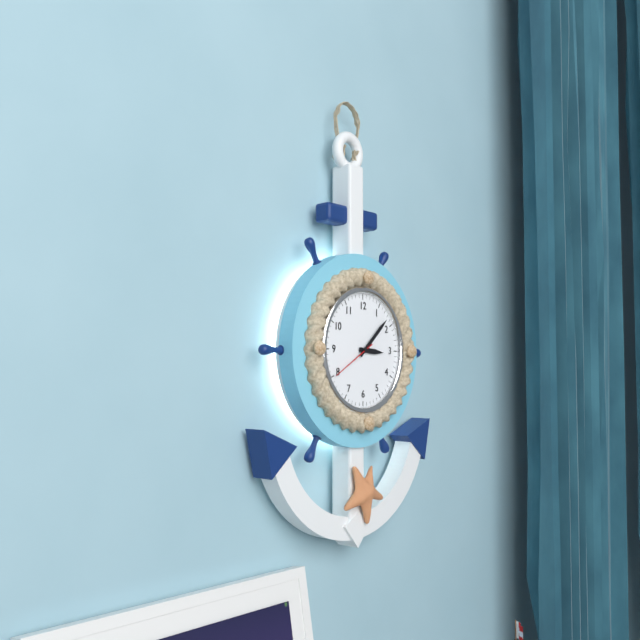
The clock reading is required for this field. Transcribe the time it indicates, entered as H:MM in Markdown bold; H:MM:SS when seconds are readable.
**3:08**
